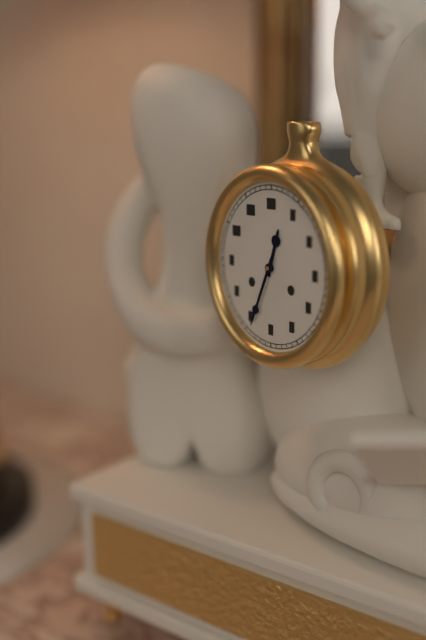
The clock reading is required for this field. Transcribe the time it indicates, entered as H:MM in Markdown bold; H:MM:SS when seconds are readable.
**12:34**
